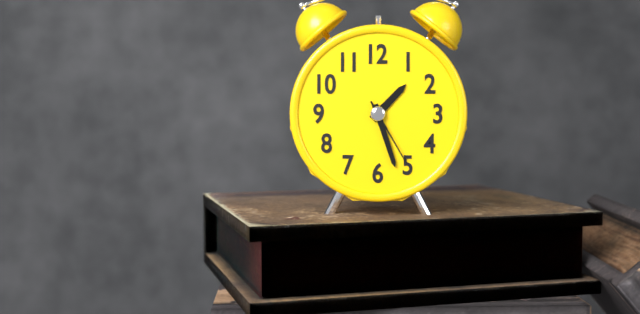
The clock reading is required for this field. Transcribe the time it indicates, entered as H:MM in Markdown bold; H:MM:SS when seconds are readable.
**1:27:25**
